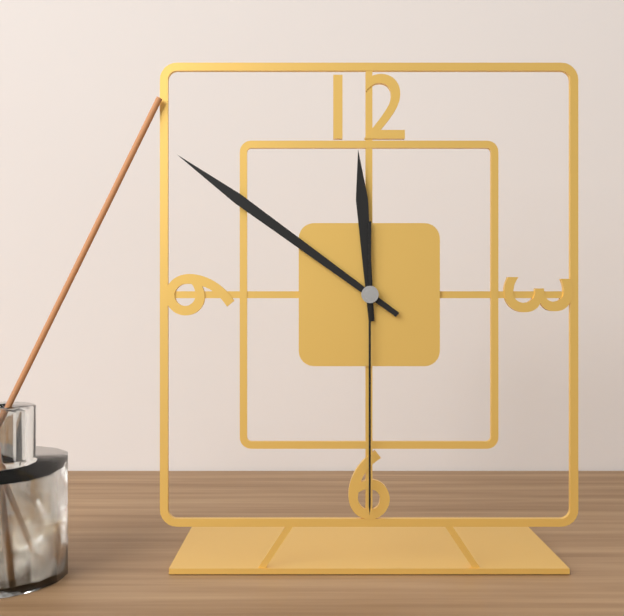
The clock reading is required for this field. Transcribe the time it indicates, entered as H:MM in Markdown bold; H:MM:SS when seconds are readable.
**11:51:30**
